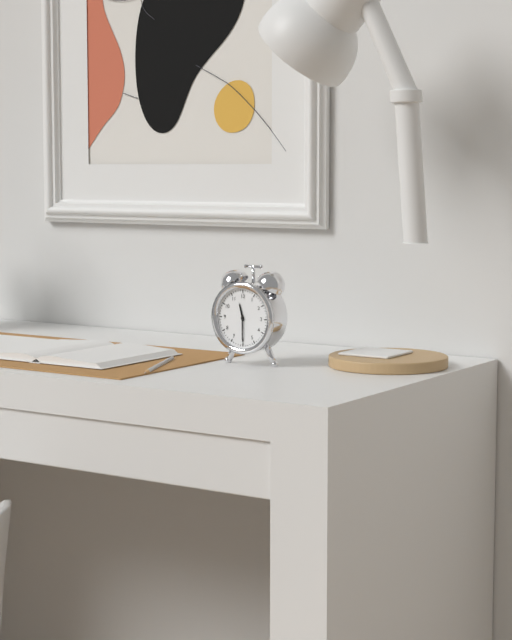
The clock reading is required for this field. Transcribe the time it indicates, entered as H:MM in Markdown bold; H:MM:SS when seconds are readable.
**11:30**
